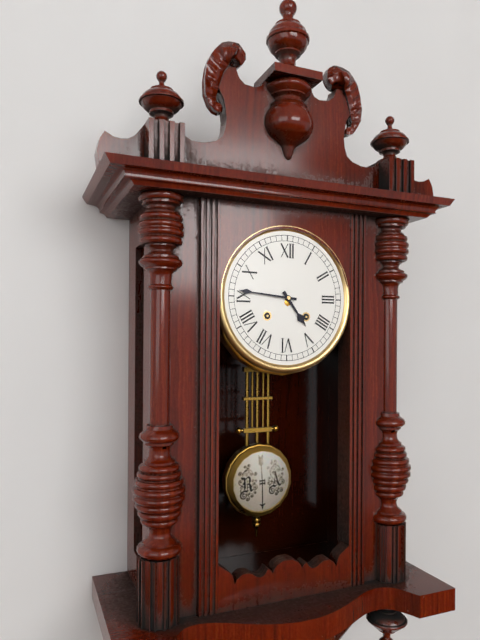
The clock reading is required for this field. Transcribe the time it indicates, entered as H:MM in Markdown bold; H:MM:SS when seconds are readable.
**4:46**
